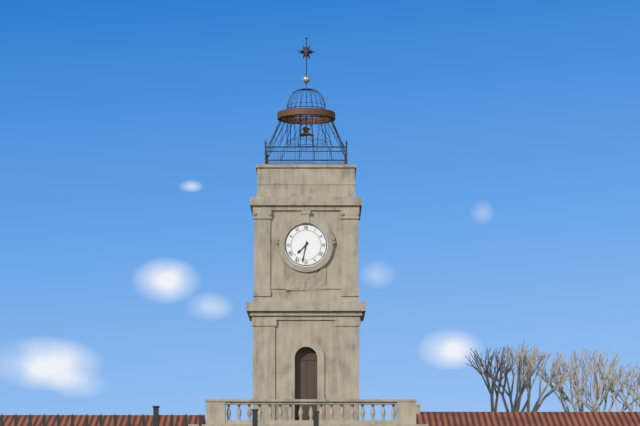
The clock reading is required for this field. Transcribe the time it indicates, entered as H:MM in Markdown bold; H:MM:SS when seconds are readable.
**7:32**
